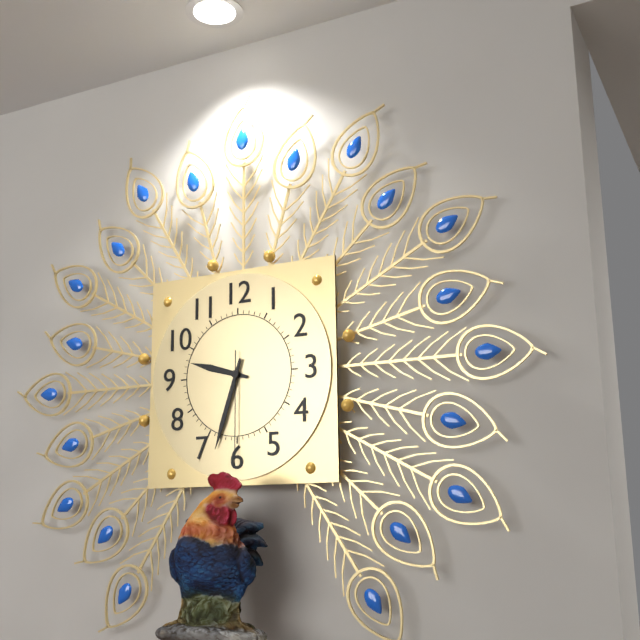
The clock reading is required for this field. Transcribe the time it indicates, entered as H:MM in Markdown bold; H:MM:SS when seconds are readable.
**9:33:30**
